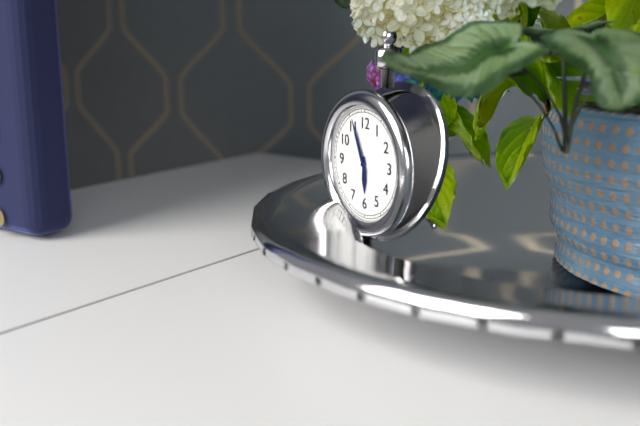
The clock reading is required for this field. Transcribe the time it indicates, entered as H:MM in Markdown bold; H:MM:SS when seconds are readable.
**5:56**
